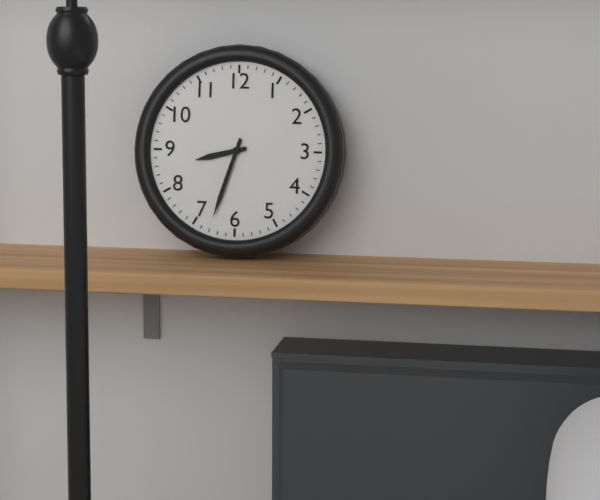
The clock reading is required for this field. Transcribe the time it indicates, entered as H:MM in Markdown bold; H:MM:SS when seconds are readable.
**8:33**
